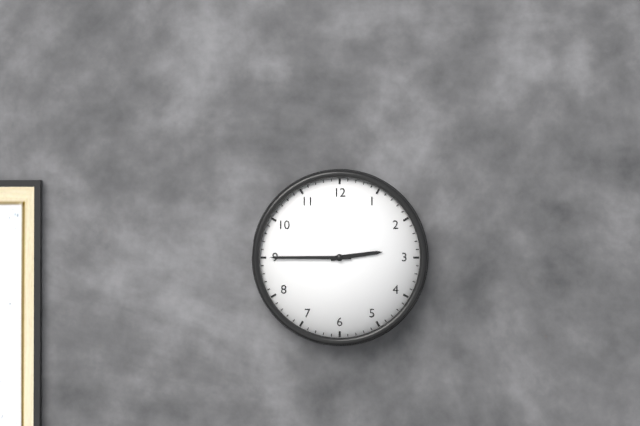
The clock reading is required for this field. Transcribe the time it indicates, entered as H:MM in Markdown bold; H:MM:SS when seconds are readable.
**2:45**
